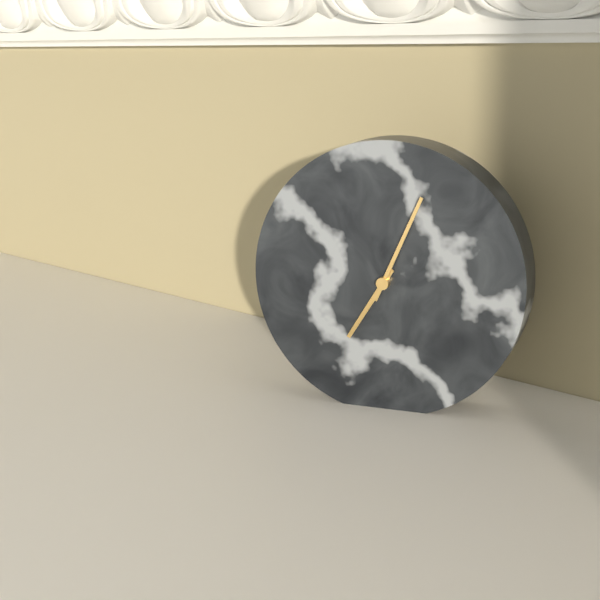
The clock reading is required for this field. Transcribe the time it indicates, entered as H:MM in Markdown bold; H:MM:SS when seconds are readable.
**7:04**
